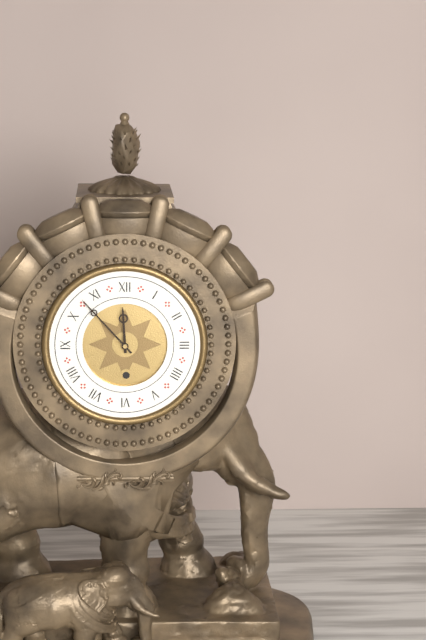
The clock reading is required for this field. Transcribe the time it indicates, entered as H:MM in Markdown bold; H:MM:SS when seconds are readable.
**11:53**
